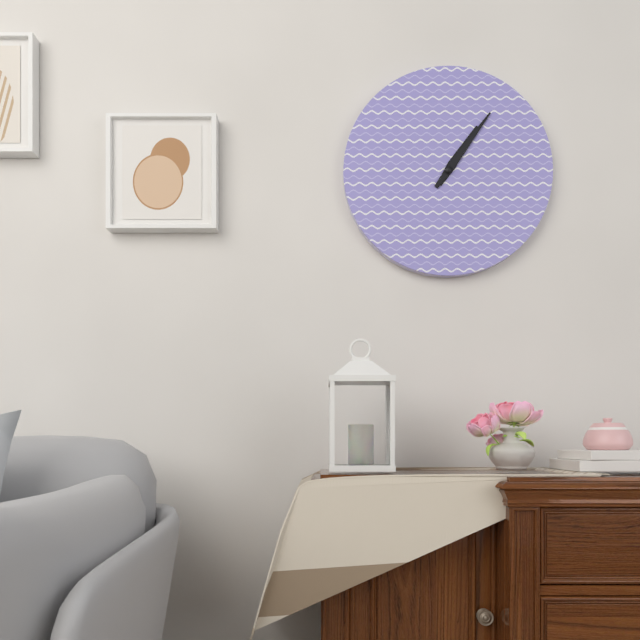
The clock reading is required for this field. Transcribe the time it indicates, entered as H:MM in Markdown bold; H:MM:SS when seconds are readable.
**1:06**
